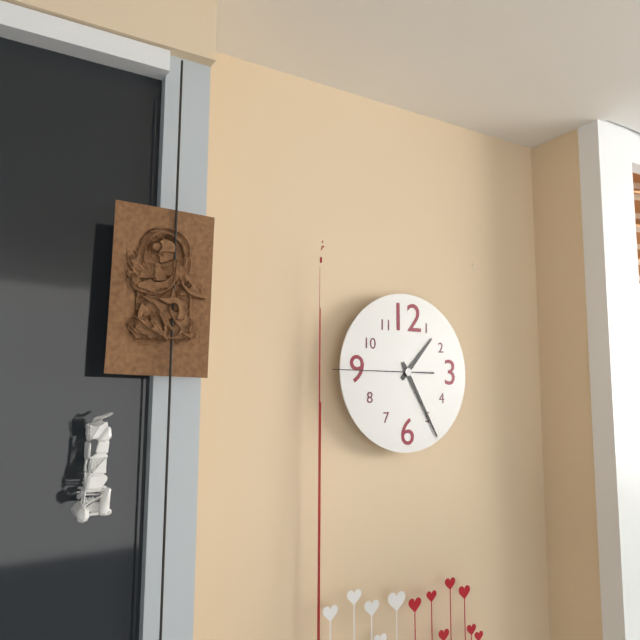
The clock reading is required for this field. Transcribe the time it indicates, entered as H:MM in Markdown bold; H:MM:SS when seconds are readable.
**1:25:45**
